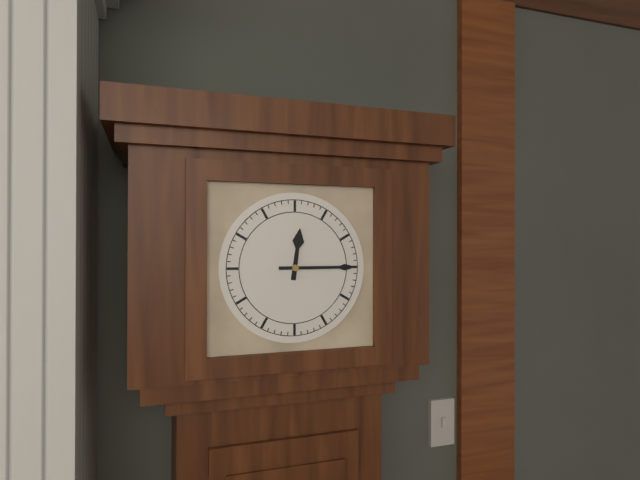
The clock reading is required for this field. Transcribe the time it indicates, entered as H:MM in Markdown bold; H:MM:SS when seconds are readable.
**12:15**
